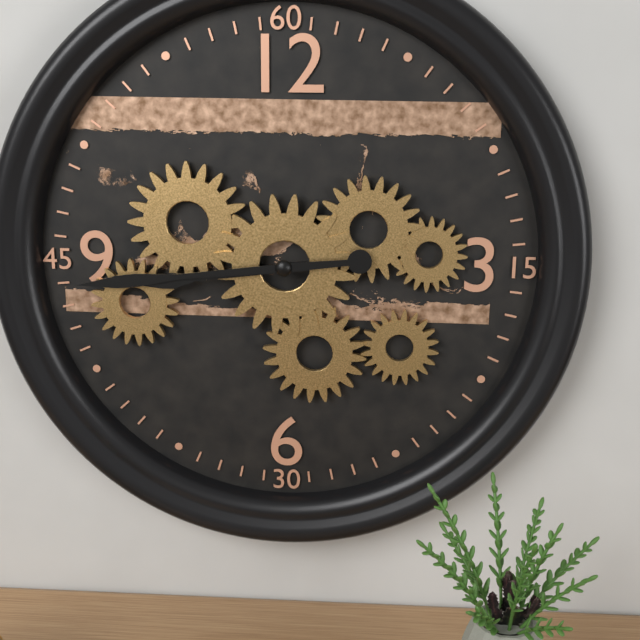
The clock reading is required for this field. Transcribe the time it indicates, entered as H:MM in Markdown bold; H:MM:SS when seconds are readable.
**8:44**
